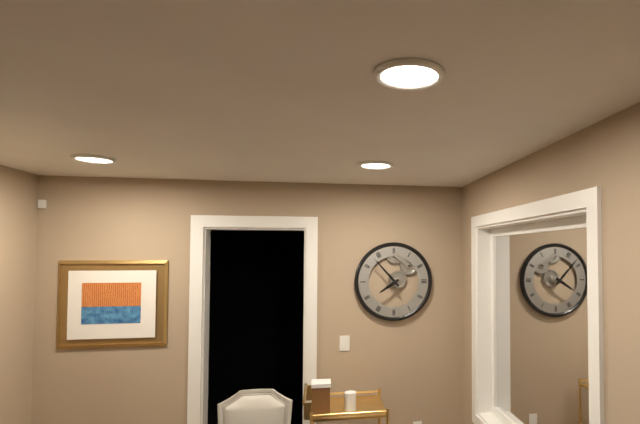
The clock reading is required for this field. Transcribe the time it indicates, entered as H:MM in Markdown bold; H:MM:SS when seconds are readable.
**7:53**
